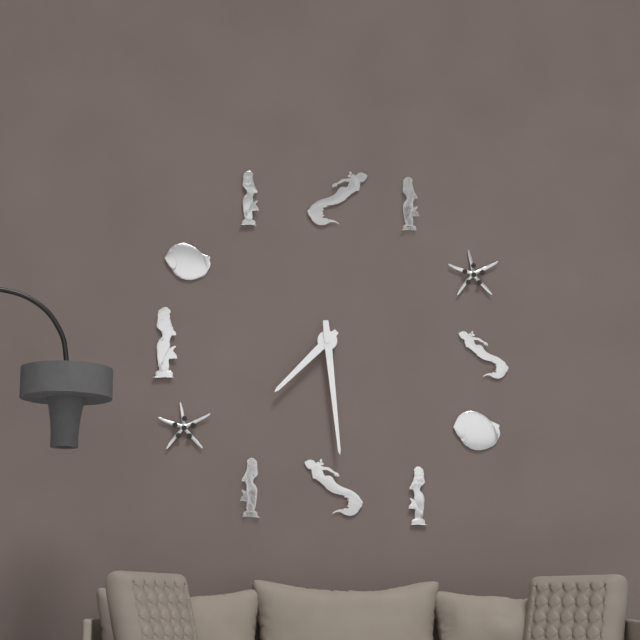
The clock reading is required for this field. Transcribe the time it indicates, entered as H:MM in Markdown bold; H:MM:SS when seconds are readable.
**7:29**
